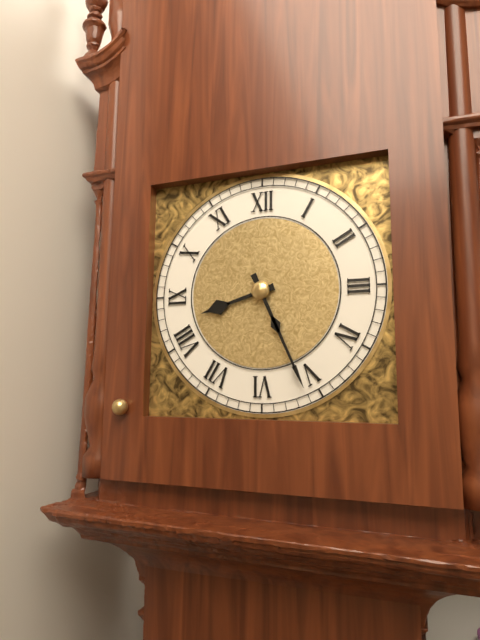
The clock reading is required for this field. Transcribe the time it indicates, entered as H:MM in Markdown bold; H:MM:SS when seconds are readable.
**8:26**
